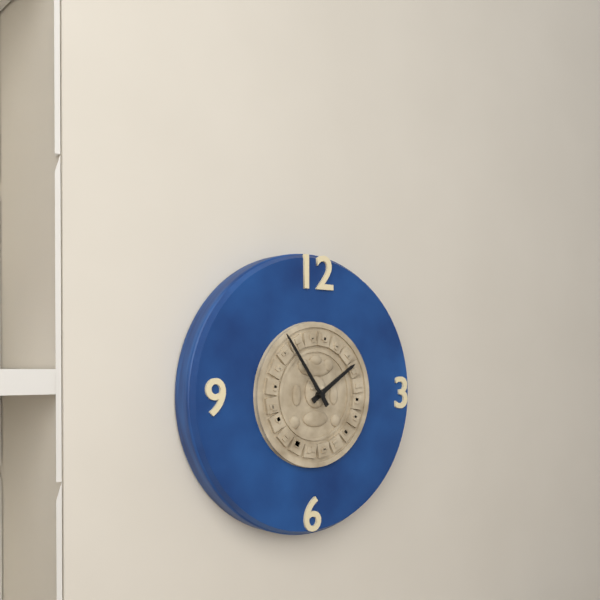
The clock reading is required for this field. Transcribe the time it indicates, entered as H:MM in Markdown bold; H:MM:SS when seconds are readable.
**1:54**
